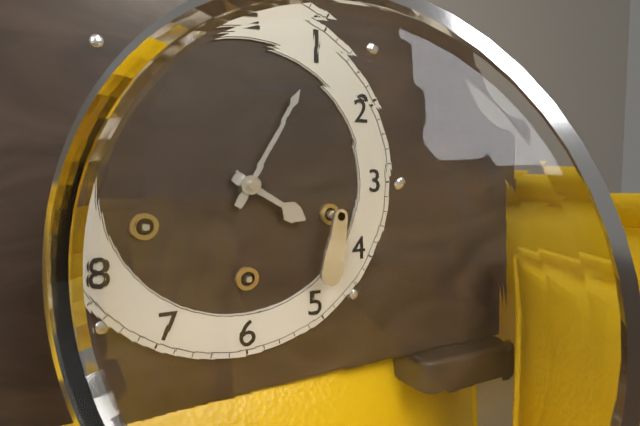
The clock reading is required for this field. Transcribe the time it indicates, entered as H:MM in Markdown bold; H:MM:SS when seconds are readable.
**4:05**
